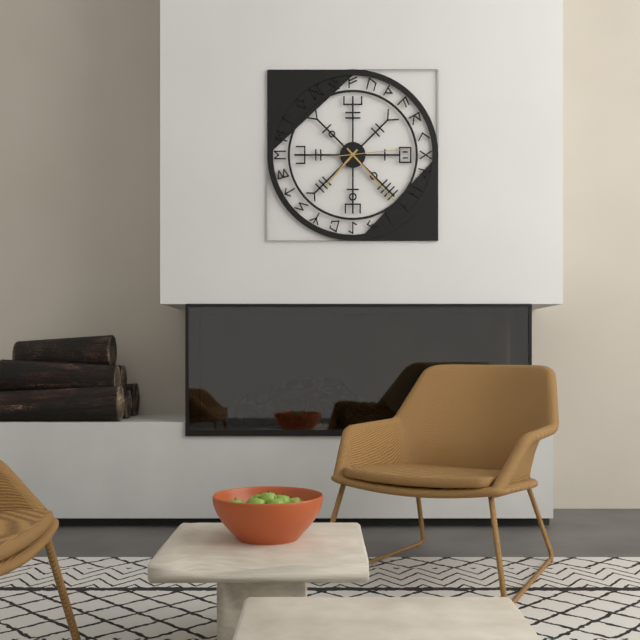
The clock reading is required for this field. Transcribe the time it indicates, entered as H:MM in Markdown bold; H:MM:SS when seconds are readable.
**7:23:14**
